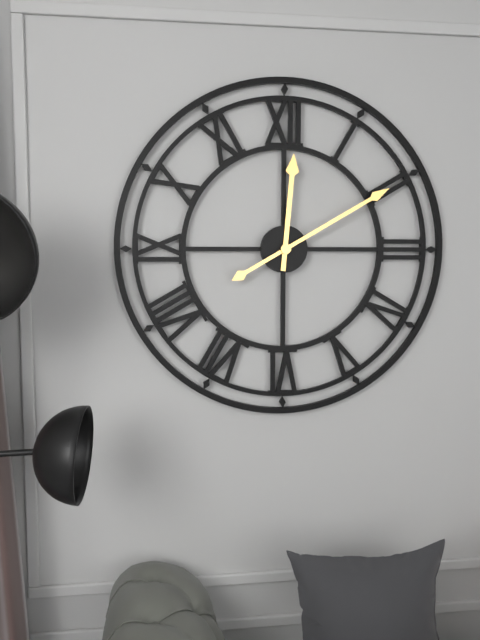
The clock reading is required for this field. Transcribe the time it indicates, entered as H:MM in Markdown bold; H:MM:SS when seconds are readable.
**12:10**
